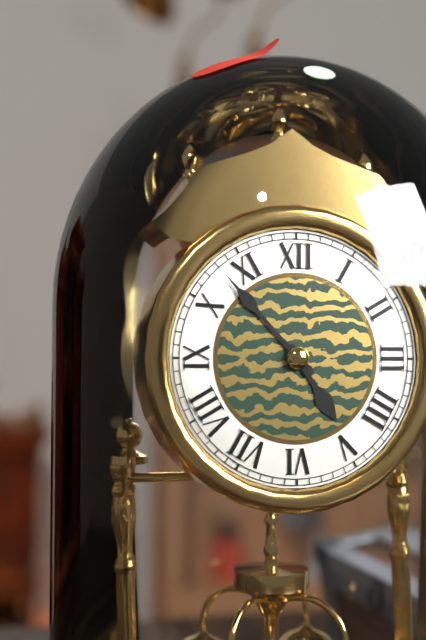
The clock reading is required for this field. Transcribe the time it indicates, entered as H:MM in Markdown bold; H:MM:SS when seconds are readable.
**4:53**
